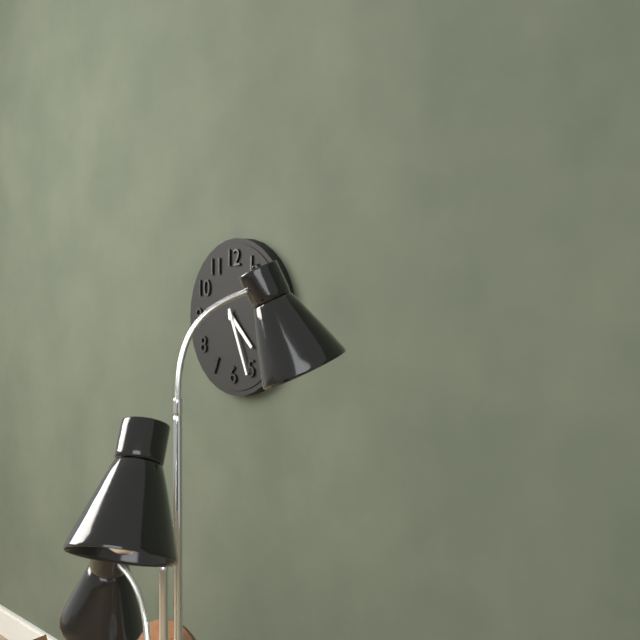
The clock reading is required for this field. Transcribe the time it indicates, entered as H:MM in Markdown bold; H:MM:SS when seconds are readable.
**4:26**
